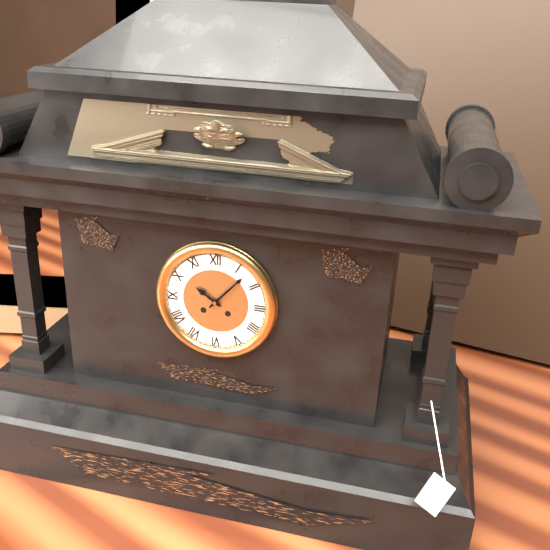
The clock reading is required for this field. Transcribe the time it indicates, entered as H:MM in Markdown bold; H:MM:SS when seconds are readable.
**10:07**
